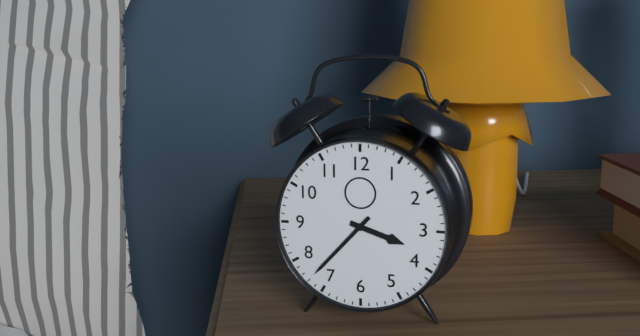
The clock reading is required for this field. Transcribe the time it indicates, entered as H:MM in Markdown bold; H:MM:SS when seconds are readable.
**3:37**
